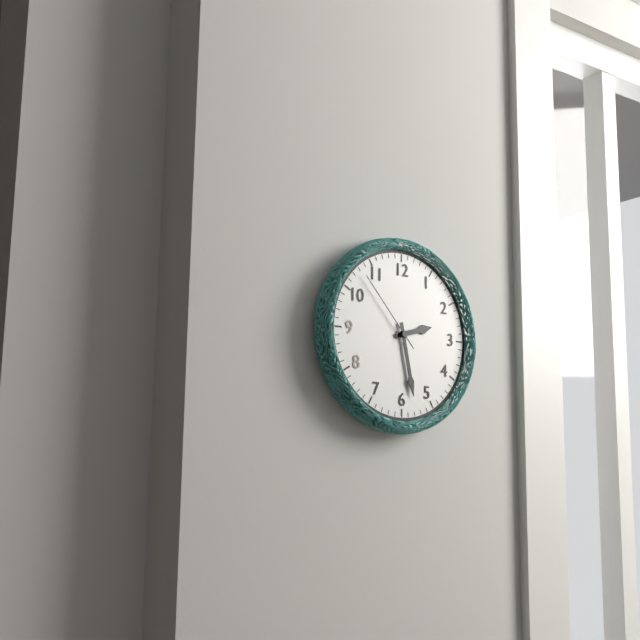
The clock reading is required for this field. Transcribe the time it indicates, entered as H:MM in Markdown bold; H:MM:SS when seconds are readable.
**2:28:53**
